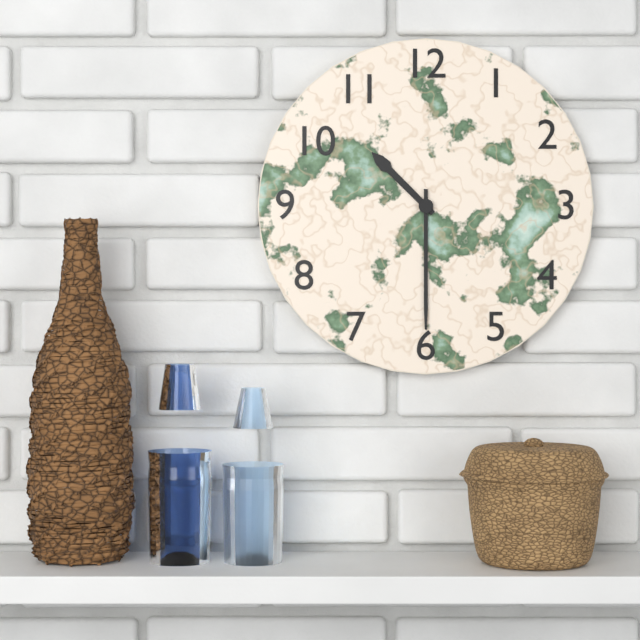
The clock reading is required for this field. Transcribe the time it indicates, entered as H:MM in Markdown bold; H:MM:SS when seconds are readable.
**10:30**
